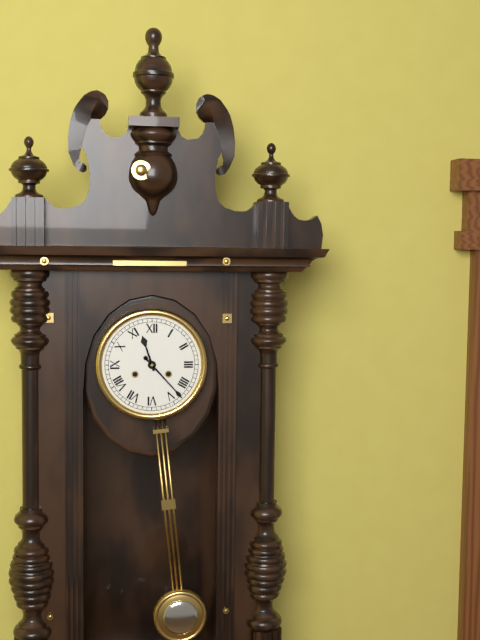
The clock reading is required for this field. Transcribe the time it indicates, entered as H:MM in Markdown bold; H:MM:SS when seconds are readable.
**11:23**
